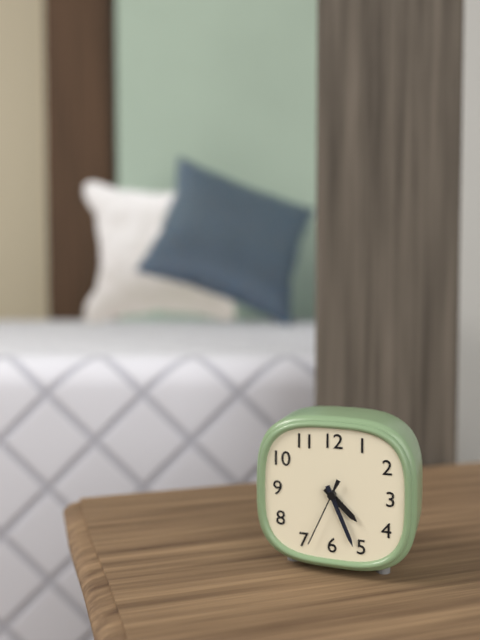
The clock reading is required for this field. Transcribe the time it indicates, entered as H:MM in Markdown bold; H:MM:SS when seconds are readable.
**4:26:34**
